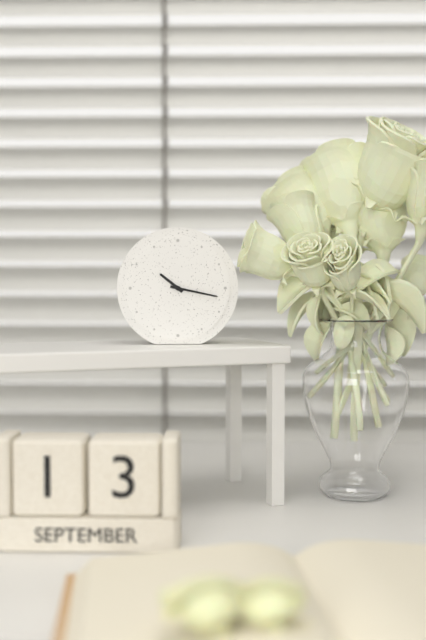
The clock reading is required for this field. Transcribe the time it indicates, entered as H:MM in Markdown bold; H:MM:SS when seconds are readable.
**10:17**
